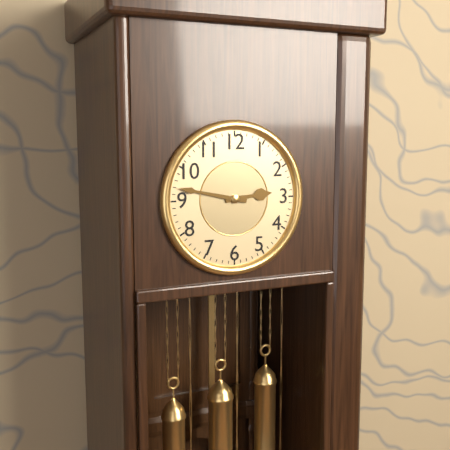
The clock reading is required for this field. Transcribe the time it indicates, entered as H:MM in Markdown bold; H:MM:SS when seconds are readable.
**2:47**
